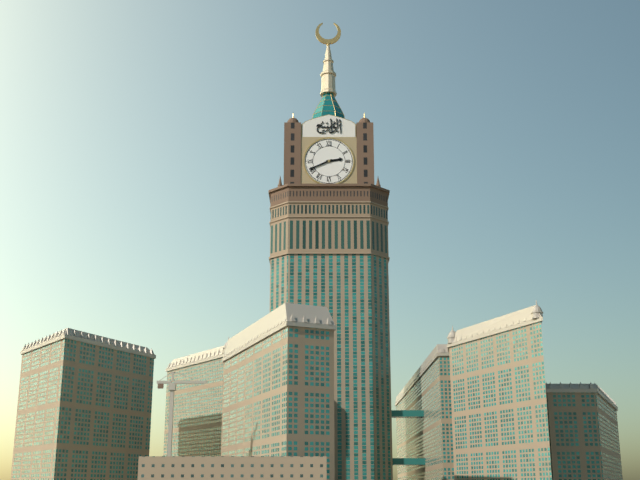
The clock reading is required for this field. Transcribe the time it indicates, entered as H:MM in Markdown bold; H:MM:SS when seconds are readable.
**2:41**
